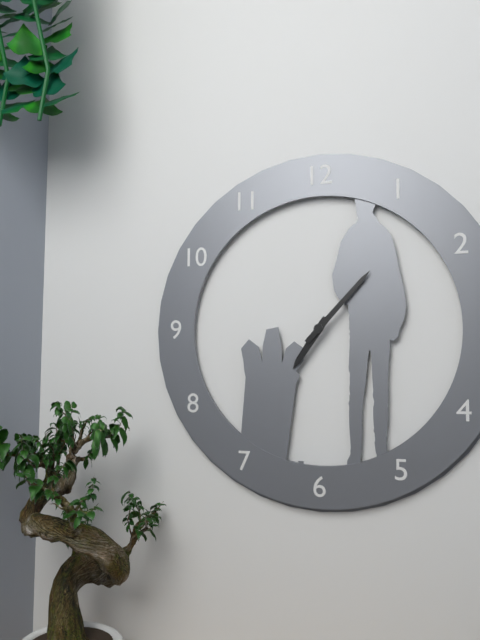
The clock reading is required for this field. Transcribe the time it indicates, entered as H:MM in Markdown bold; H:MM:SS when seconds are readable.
**7:07**
